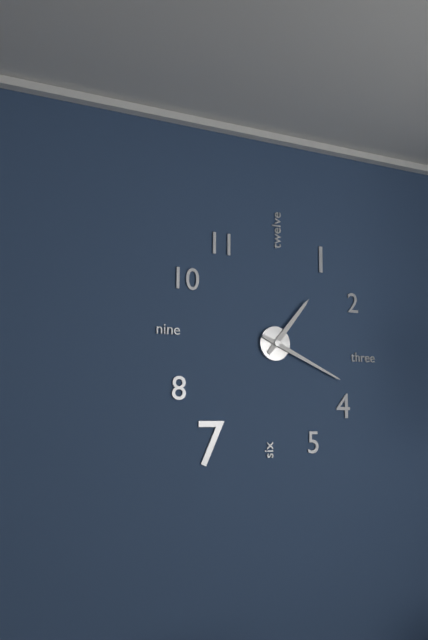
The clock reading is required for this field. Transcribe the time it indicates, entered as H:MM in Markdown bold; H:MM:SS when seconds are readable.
**1:19**
